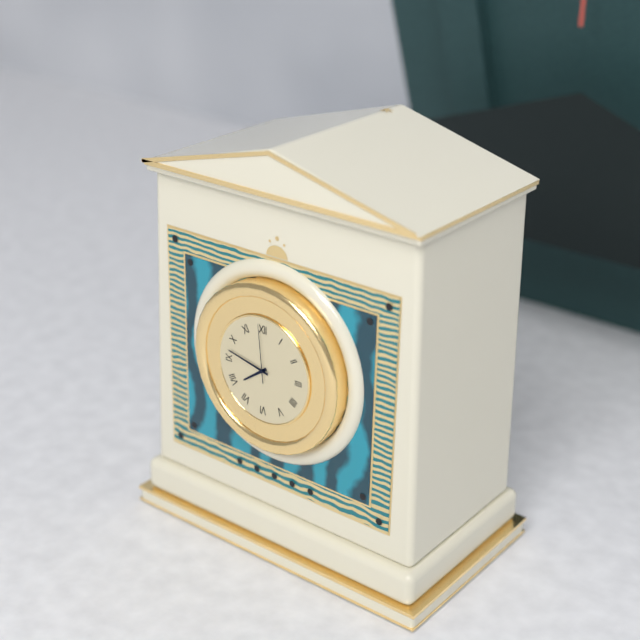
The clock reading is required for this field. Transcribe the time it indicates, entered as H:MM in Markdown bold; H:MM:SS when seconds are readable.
**7:47:59**
